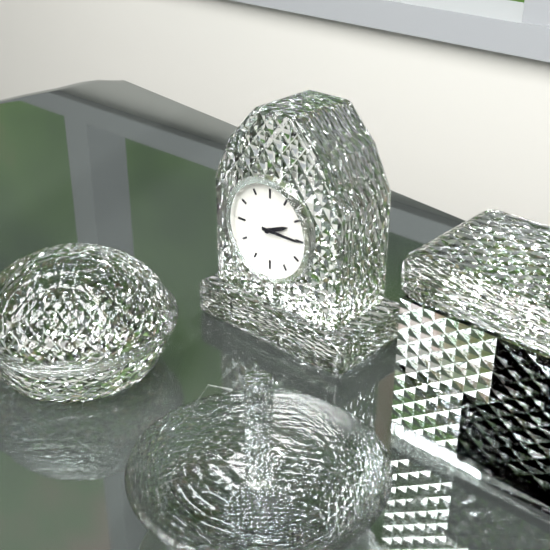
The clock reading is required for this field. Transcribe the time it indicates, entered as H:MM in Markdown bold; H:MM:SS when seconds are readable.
**2:15**
